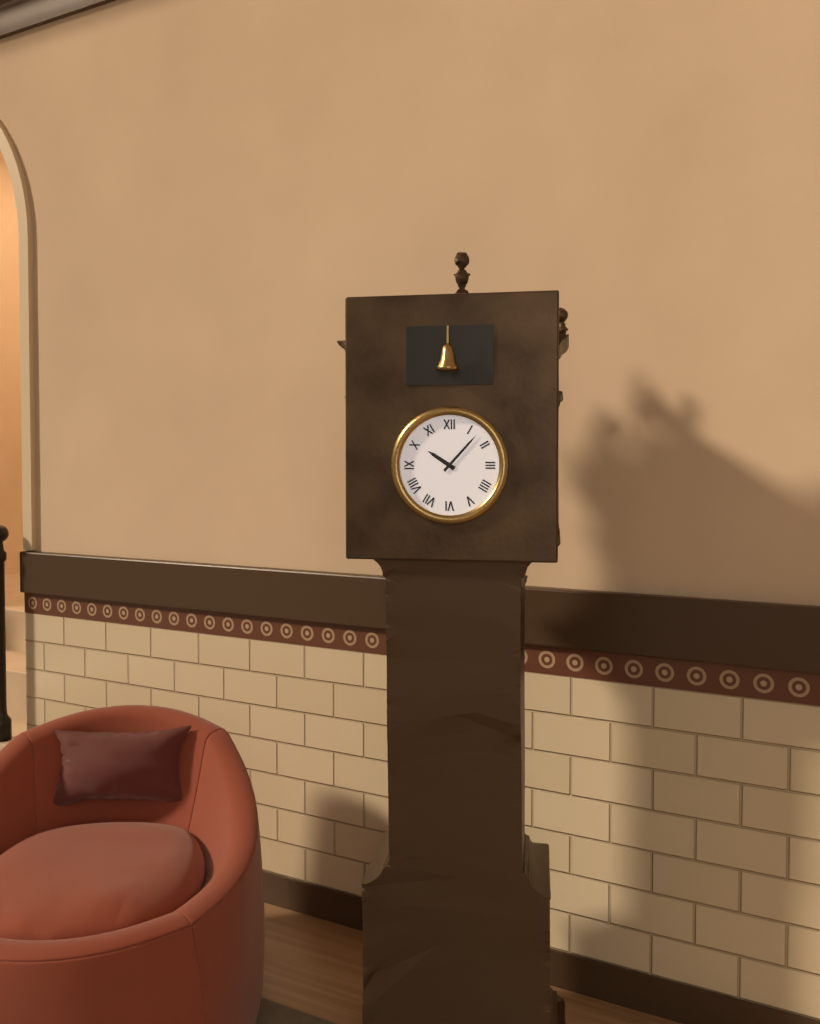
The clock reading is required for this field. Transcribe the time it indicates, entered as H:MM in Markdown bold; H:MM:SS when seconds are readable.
**10:07**
